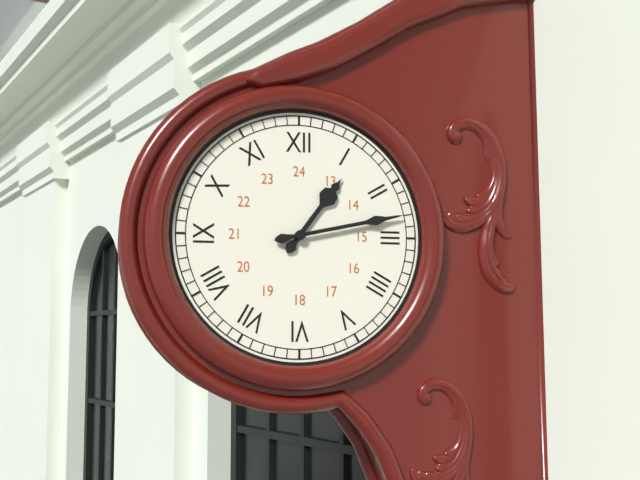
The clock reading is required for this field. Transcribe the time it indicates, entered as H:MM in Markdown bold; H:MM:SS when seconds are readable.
**1:13**
